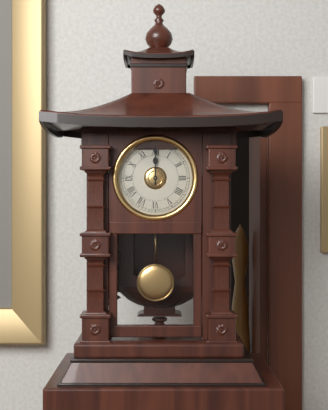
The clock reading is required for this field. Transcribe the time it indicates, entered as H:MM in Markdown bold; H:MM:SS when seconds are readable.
**12:00**
